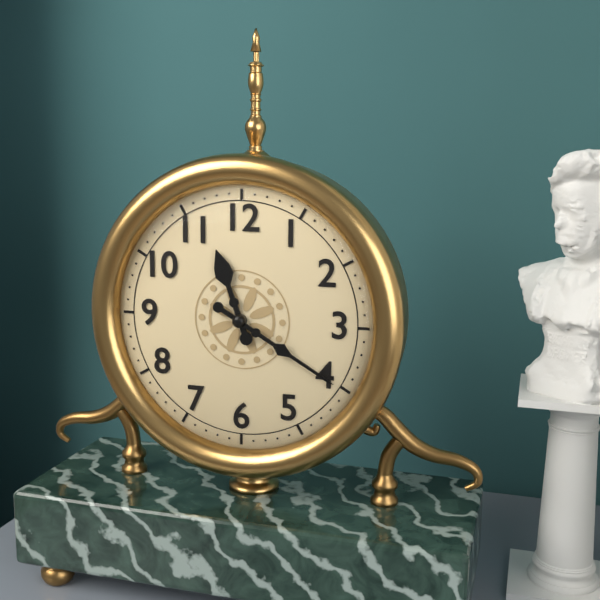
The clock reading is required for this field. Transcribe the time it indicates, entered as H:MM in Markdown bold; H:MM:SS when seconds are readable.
**11:20**
